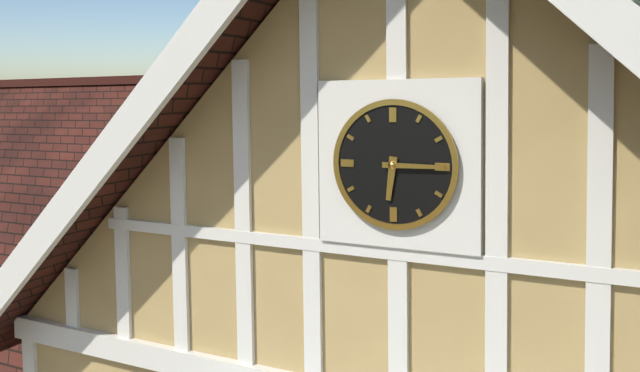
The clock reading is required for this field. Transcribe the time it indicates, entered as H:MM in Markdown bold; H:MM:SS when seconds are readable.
**6:15**
